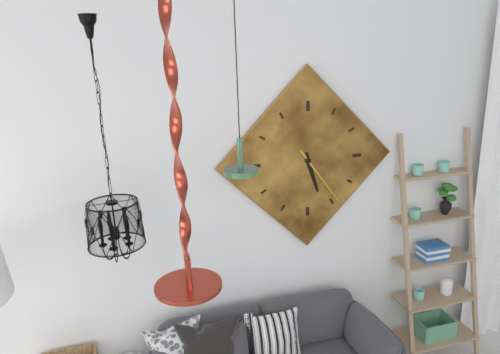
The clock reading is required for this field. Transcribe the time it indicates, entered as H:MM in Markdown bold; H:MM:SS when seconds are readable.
**5:24**
